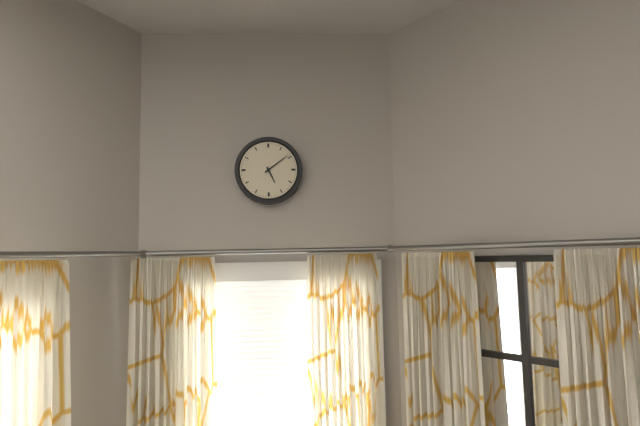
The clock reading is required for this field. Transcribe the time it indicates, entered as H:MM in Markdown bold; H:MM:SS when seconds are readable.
**5:09**
